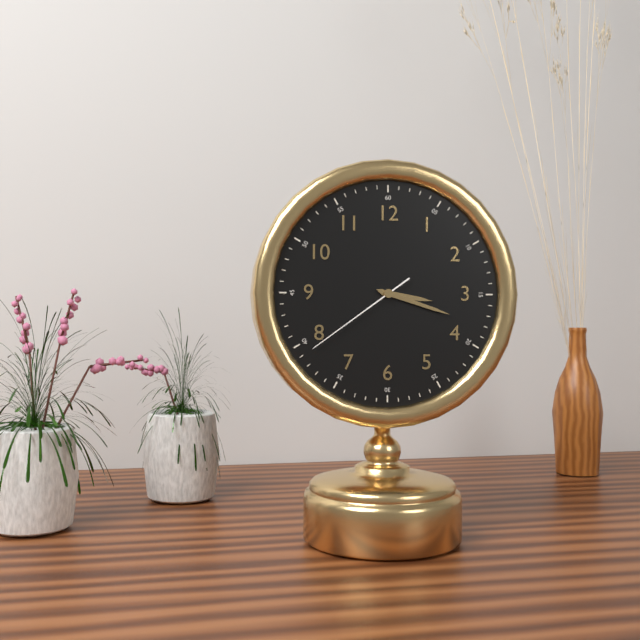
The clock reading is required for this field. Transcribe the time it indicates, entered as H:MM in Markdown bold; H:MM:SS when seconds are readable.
**3:18:39**
